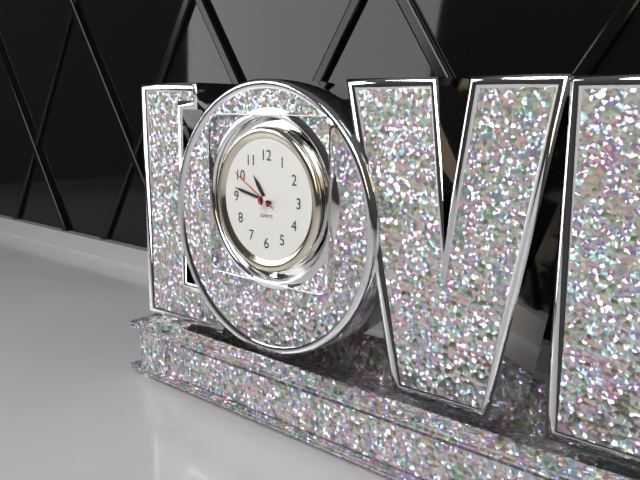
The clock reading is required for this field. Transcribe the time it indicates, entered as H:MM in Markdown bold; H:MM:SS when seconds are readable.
**10:47:50**
